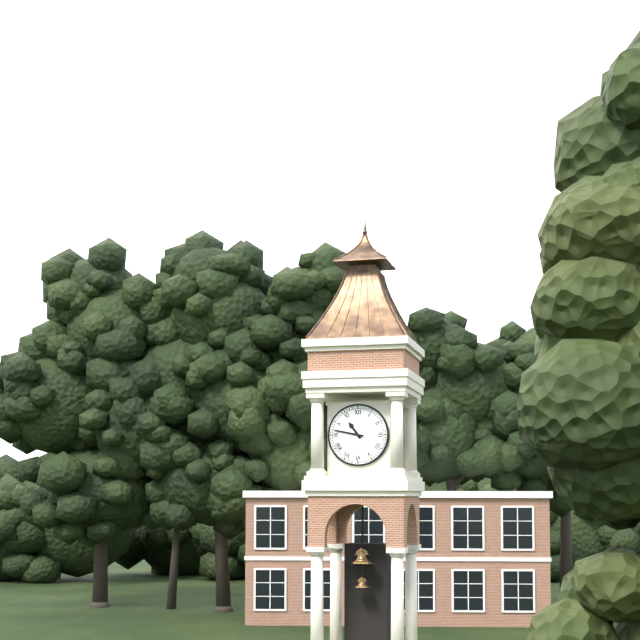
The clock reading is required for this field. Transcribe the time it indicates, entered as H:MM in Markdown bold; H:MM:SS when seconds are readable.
**10:47**
